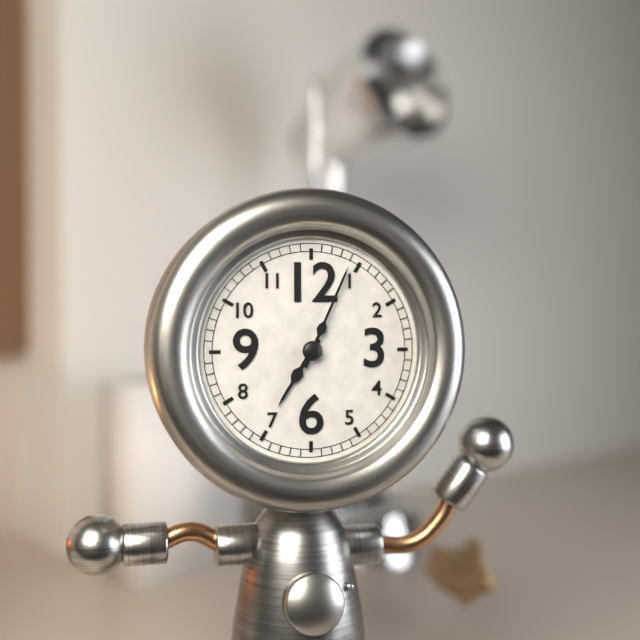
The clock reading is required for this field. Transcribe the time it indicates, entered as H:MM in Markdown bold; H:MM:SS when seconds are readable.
**7:04**
